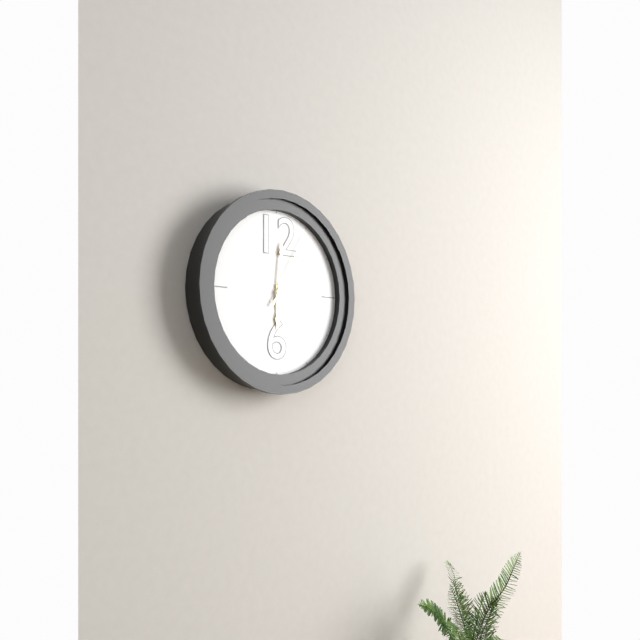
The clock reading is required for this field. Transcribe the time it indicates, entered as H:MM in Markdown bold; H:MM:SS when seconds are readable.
**6:01:05**
